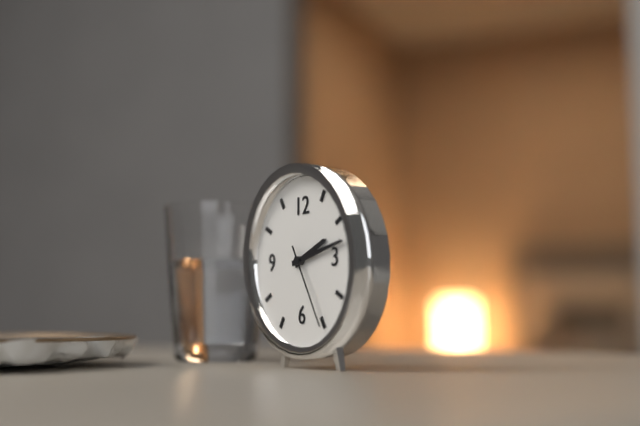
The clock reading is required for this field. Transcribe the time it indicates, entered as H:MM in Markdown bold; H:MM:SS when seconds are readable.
**2:13:25**
